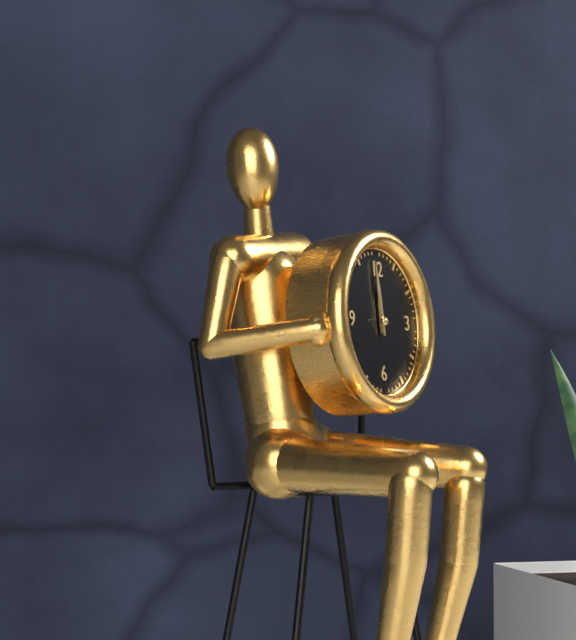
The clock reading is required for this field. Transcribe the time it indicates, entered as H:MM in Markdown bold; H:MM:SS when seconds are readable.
**11:59**
